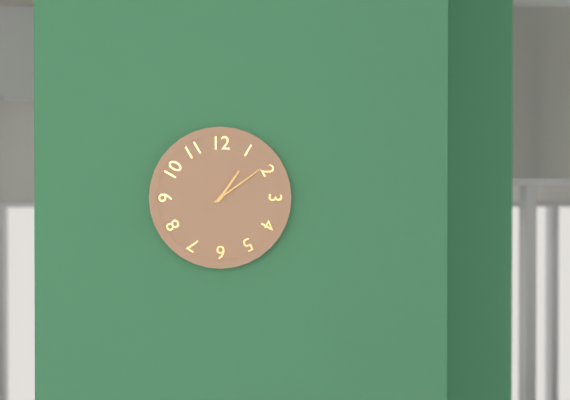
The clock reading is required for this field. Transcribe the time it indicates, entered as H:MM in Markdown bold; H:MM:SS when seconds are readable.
**1:09**
